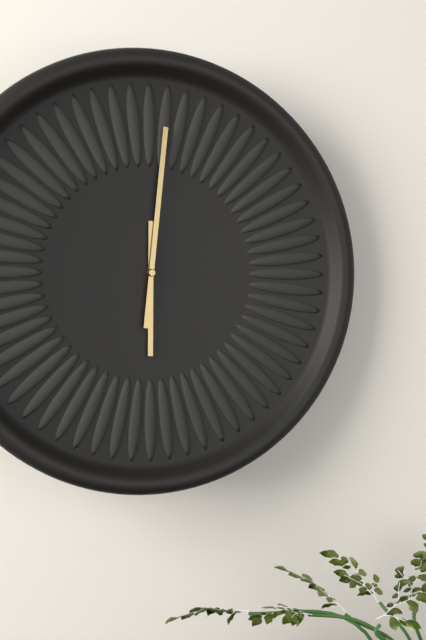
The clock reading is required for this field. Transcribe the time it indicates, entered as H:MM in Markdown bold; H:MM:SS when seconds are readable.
**6:01**
